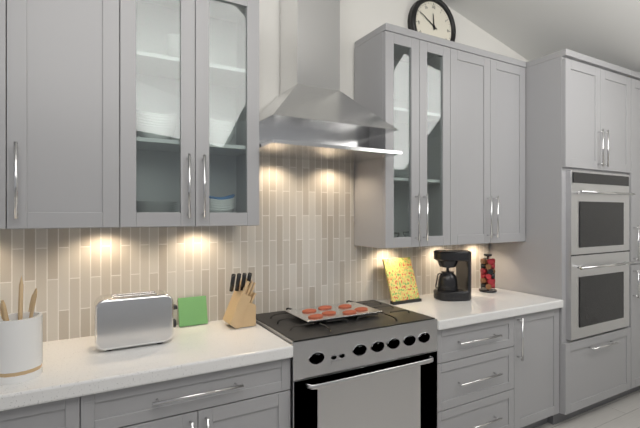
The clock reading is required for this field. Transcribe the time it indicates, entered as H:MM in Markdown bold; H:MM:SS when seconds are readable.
**11:50**
